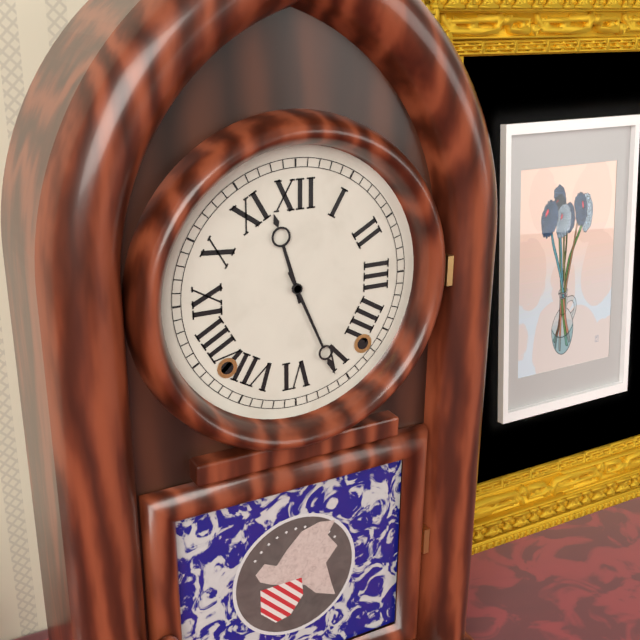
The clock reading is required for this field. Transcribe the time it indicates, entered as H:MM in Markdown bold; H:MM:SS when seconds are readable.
**11:26**
